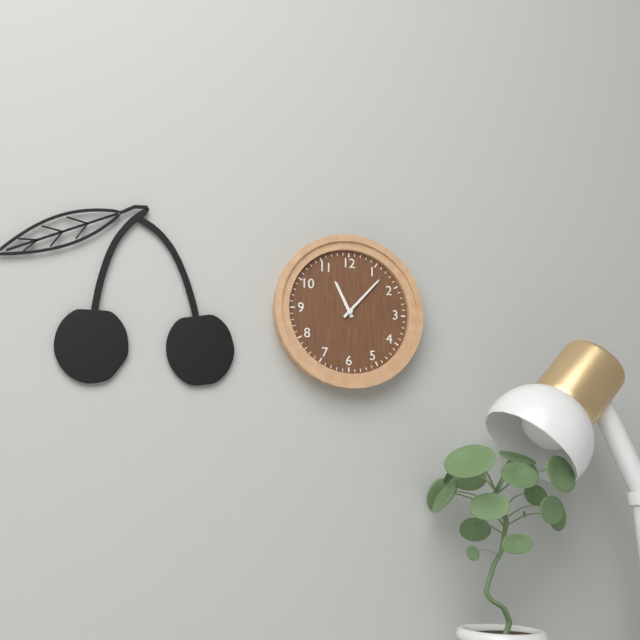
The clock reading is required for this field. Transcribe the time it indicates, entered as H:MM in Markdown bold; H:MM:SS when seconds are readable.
**11:07**
